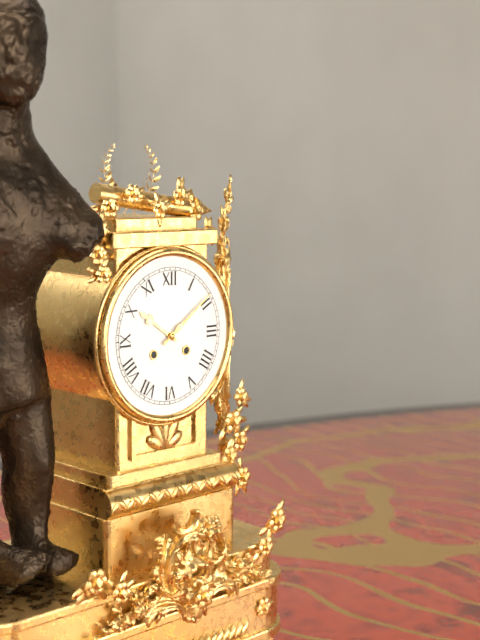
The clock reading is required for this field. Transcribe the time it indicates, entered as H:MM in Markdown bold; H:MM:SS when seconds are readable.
**10:09**
